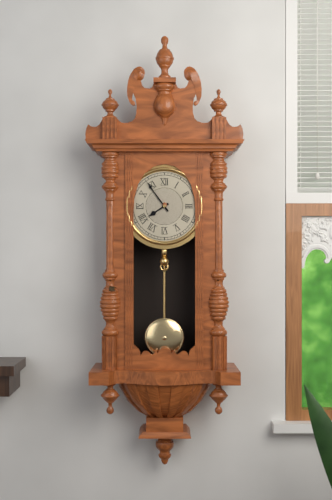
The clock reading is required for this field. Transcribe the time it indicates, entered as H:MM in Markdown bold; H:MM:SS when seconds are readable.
**7:54**
